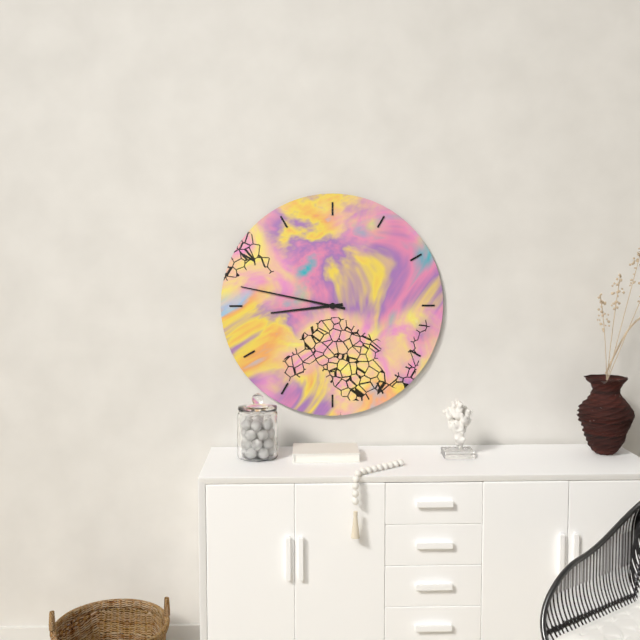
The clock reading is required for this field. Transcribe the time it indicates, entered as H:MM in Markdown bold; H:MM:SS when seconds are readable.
**8:47**
